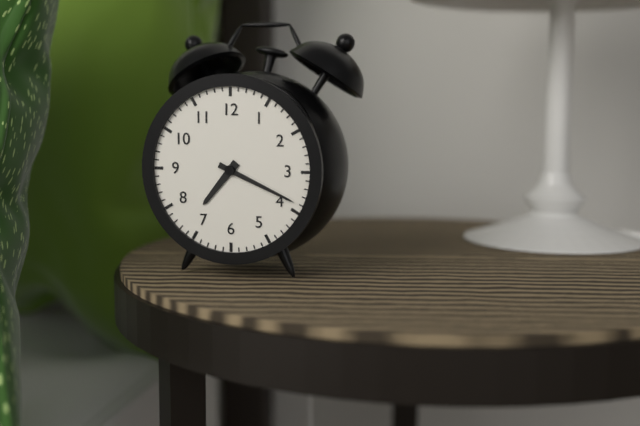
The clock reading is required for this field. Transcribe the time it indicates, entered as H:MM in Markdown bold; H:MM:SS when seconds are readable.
**7:19**
